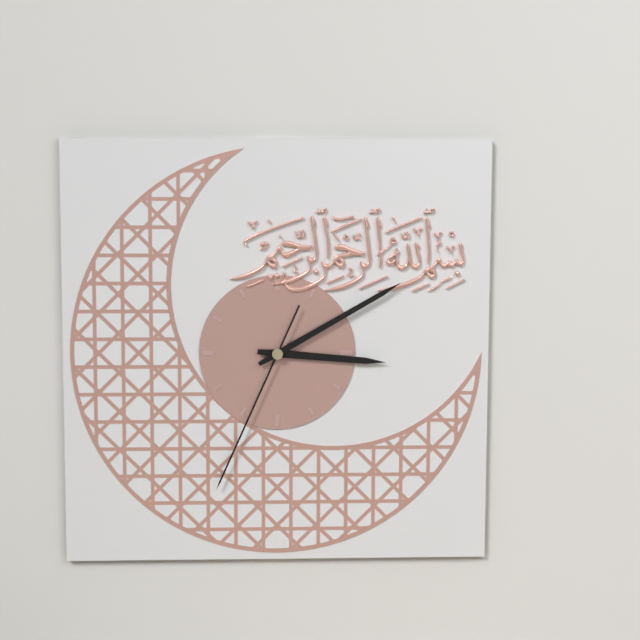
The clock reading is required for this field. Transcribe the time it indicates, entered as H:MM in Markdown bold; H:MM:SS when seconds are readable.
**3:10:34**
